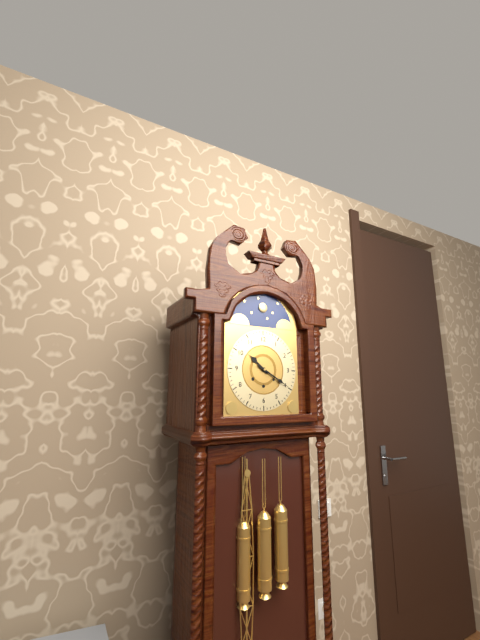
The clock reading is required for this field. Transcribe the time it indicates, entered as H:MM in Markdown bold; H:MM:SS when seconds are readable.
**10:20**
